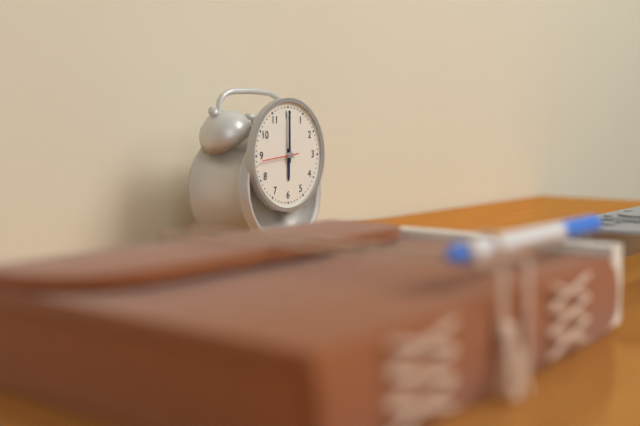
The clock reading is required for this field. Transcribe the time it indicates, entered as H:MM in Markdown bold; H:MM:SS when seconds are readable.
**6:00**
